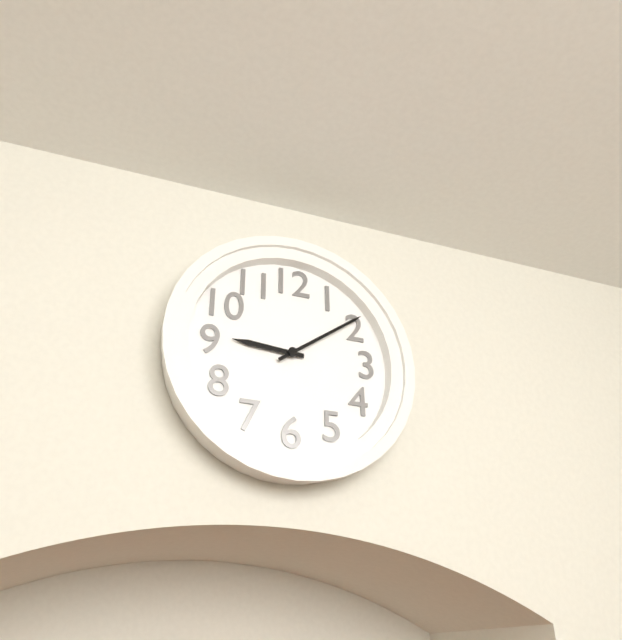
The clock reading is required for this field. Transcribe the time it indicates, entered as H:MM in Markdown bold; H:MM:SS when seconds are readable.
**9:09**
